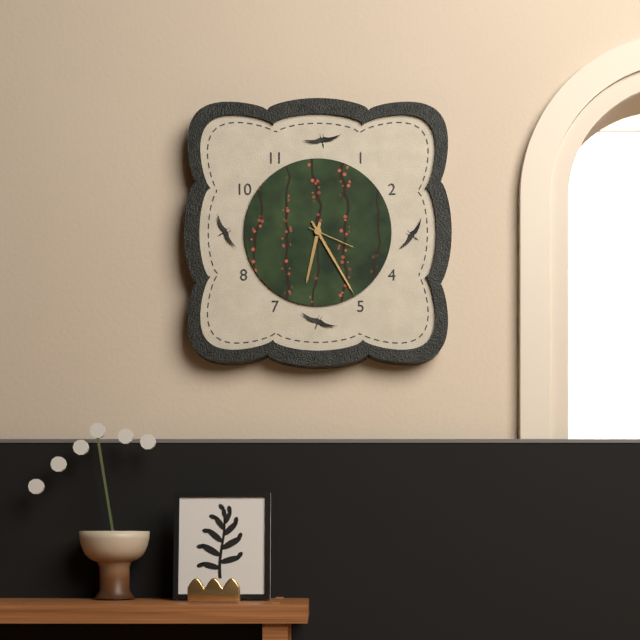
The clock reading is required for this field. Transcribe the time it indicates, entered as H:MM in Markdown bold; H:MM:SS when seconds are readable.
**6:25:19**
